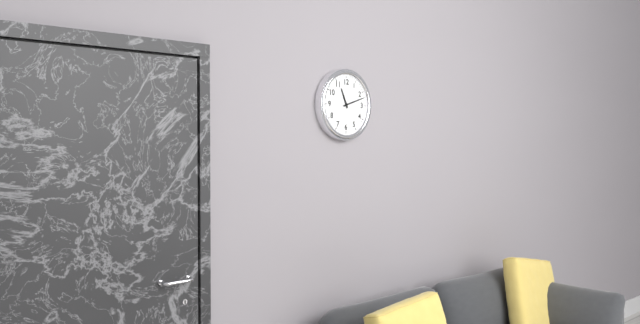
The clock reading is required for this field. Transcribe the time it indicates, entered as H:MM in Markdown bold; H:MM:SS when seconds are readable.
**11:12**
